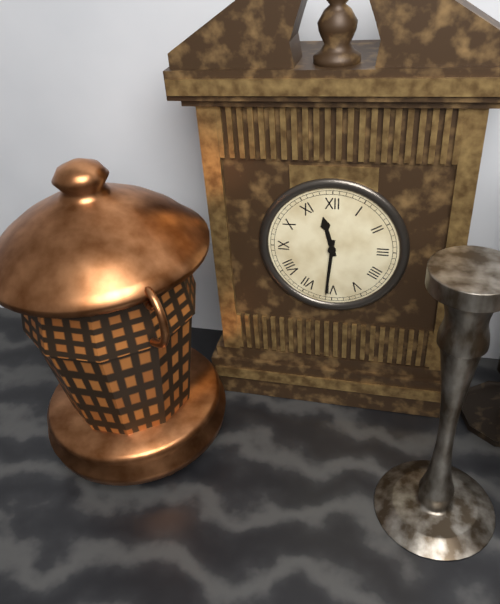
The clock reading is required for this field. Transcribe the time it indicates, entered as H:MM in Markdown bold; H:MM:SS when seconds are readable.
**11:31**
